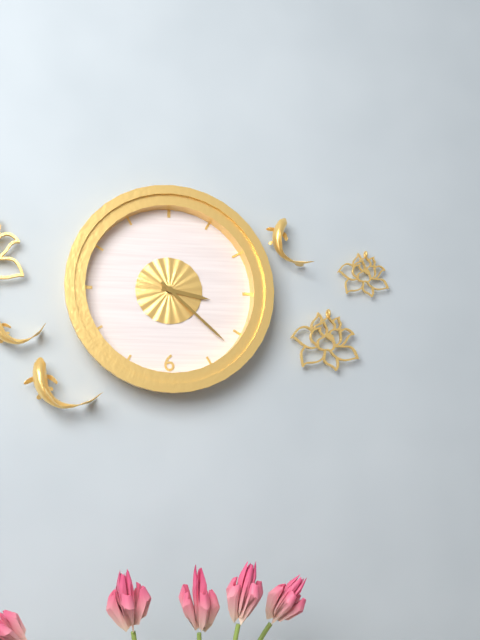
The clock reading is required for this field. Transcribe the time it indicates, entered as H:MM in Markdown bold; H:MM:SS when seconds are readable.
**3:22**
